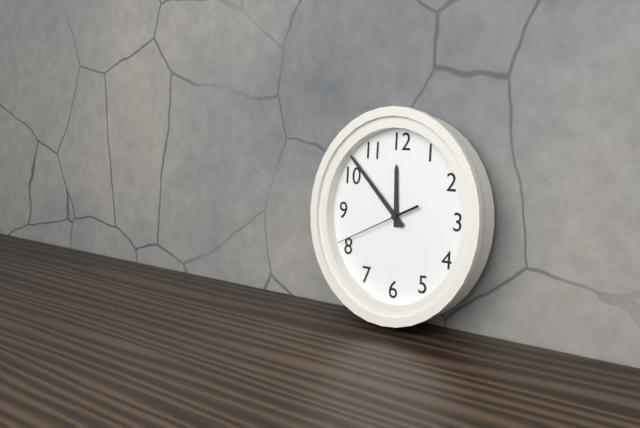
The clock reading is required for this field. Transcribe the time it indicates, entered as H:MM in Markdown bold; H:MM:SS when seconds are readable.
**11:52:41**
